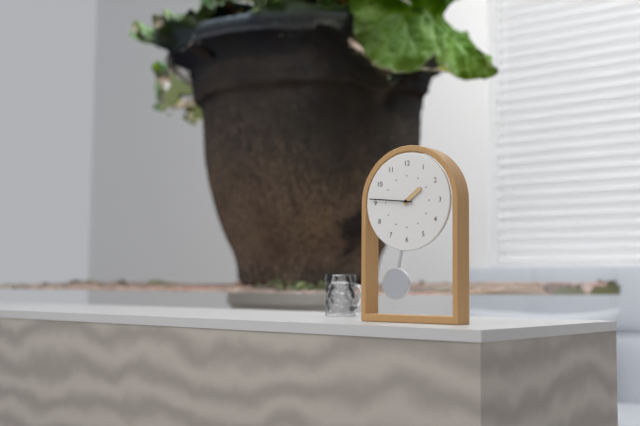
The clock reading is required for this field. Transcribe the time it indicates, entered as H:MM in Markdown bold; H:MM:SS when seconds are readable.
**1:46**
